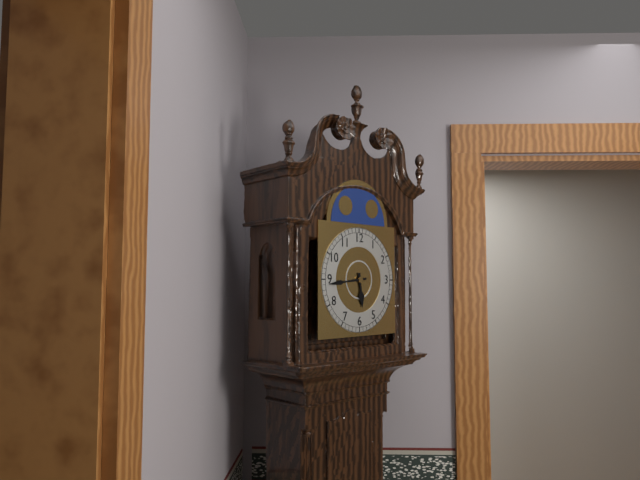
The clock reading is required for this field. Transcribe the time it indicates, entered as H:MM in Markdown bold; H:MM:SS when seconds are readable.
**5:44**
